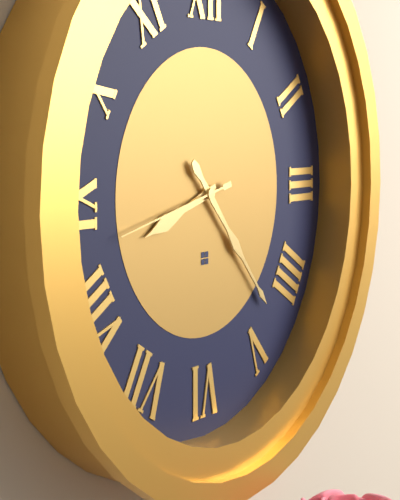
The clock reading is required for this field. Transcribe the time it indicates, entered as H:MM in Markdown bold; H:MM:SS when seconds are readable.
**8:23:43**
